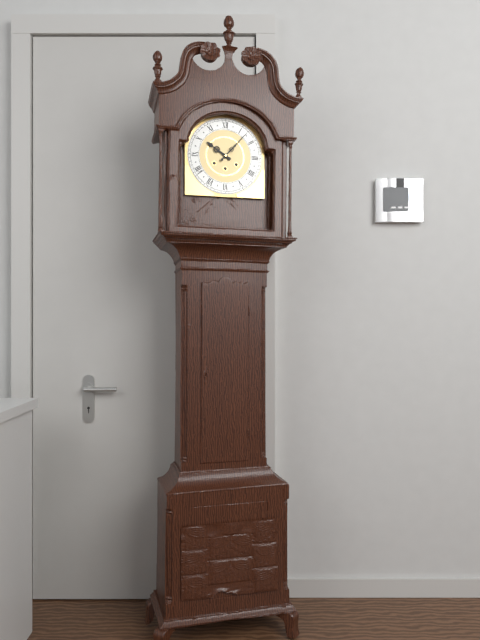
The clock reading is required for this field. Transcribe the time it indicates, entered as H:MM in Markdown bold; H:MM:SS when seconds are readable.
**10:07**
